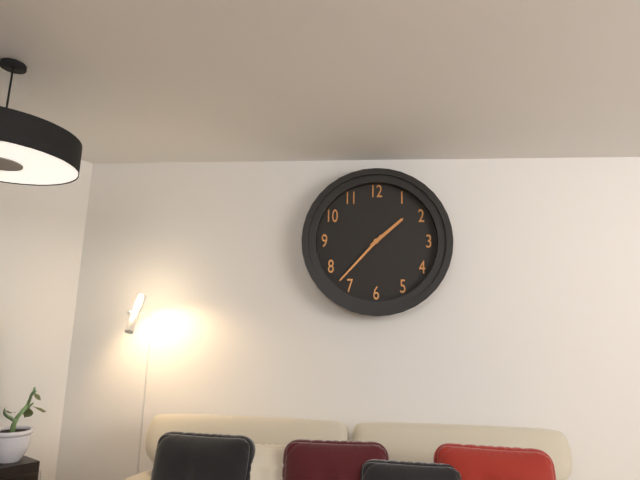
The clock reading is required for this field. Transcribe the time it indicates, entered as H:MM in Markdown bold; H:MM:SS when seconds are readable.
**1:37**
